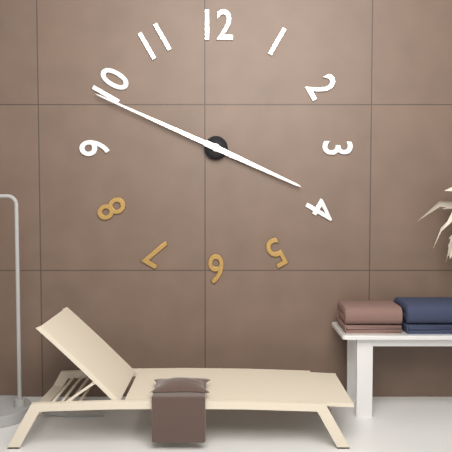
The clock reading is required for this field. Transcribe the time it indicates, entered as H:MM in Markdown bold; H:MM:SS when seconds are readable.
**3:49**
